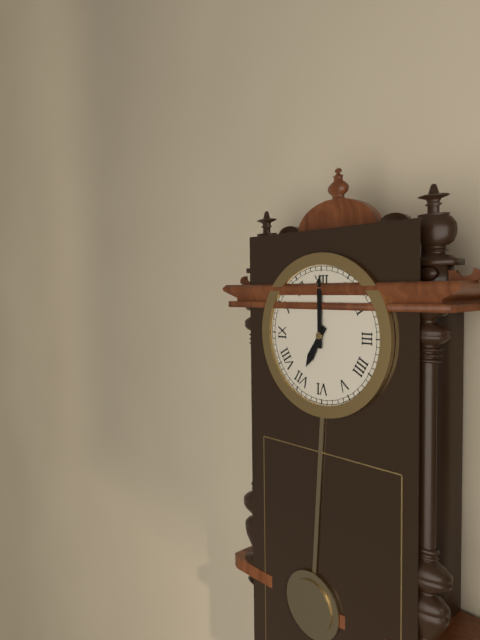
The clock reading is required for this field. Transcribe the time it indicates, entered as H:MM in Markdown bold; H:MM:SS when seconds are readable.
**7:00**
